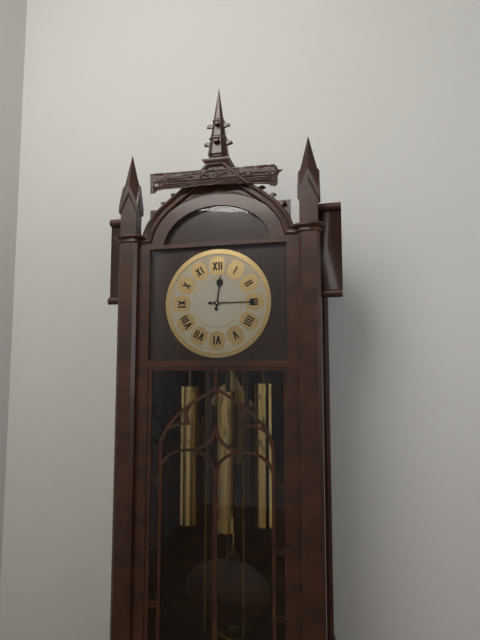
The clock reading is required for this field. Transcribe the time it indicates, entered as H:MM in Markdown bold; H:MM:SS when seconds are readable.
**12:15**
